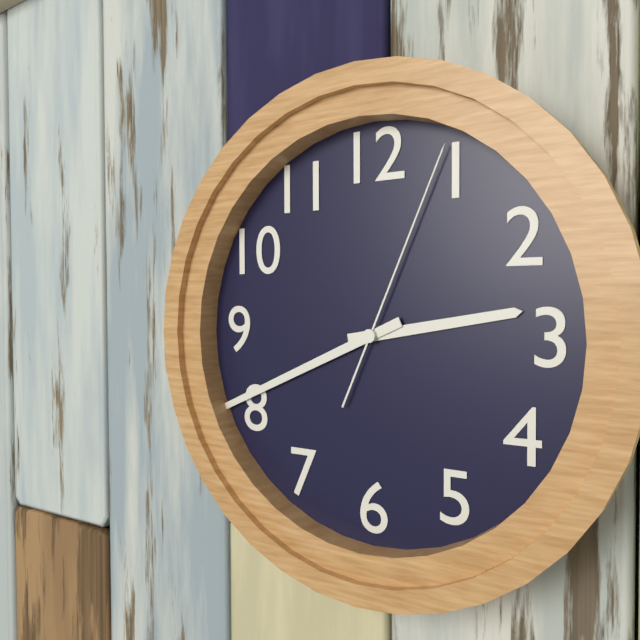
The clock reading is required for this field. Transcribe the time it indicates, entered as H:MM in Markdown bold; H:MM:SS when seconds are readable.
**2:41:04**
